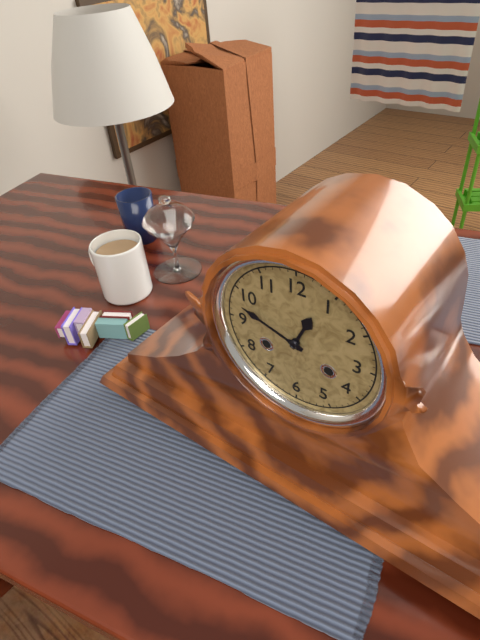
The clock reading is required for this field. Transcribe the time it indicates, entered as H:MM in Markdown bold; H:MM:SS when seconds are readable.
**12:48**
